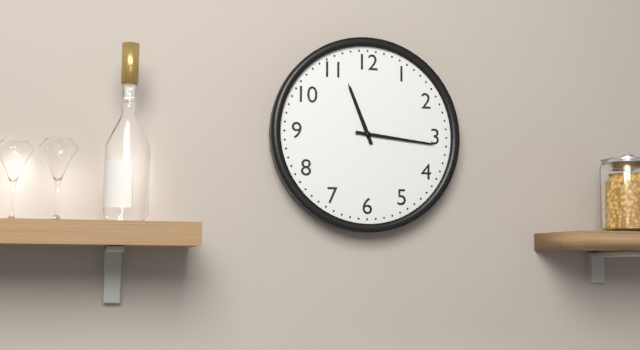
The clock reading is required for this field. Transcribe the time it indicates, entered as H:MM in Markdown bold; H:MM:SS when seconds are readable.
**11:16**
